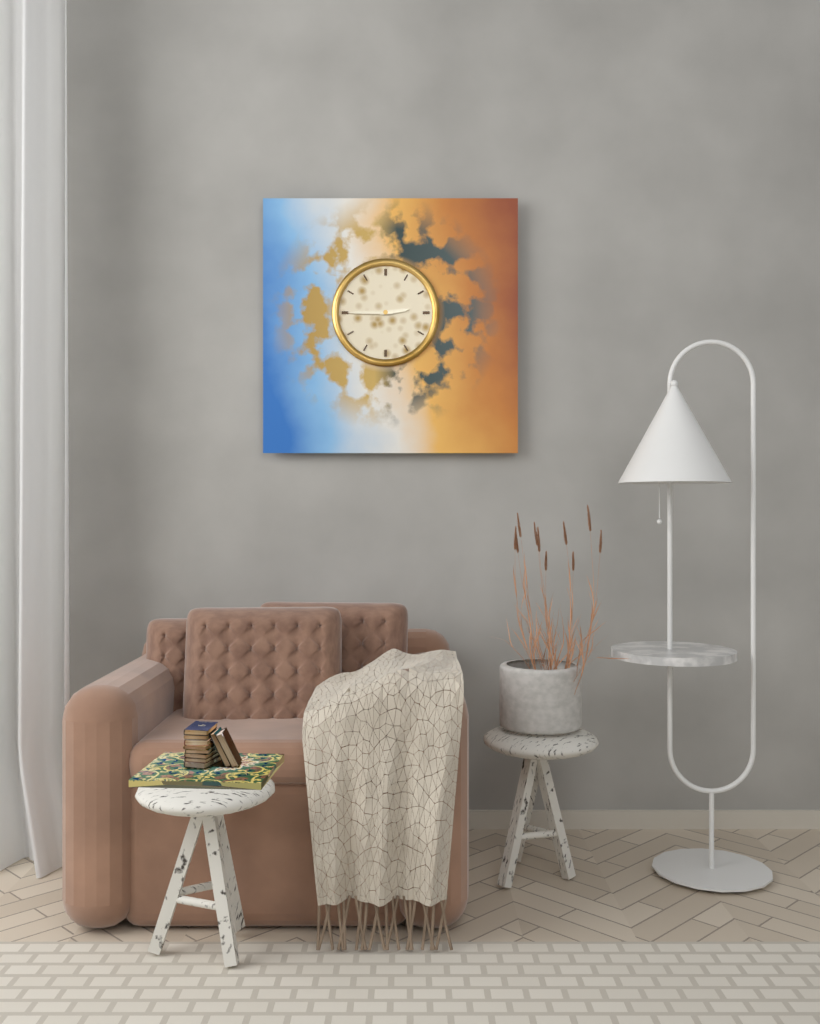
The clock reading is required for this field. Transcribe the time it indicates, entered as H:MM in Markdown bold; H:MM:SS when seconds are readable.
**2:45**
